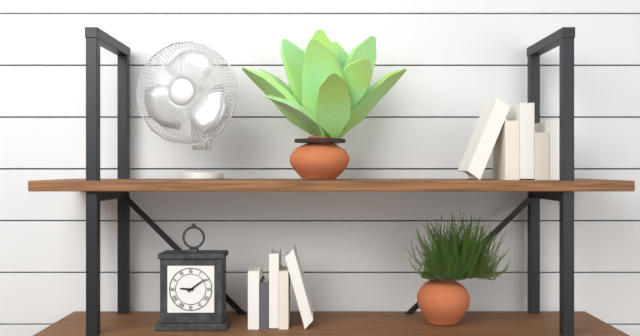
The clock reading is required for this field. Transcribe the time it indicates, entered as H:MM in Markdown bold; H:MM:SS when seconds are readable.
**9:09**
